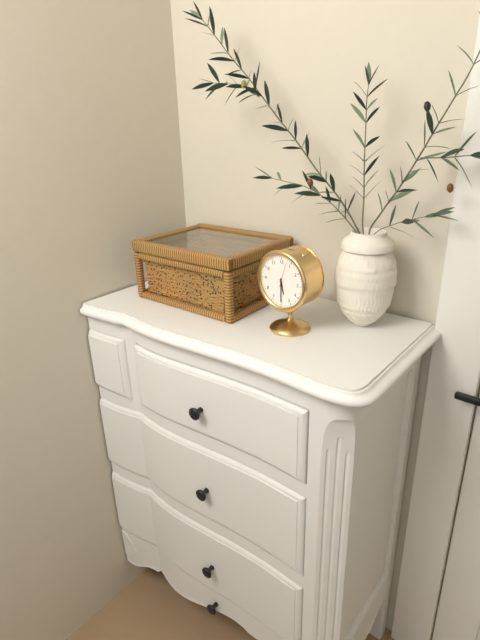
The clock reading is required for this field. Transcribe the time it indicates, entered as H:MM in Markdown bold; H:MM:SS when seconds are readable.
**5:30**
